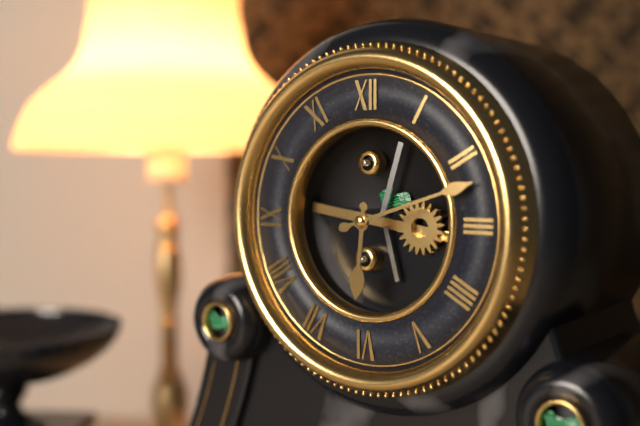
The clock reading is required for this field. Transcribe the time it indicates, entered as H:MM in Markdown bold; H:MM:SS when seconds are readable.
**6:12**
